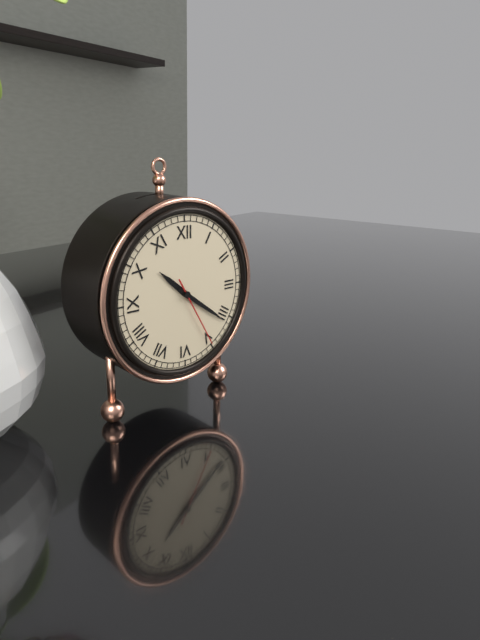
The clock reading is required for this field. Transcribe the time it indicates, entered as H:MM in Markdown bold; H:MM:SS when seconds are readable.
**10:21:25**
